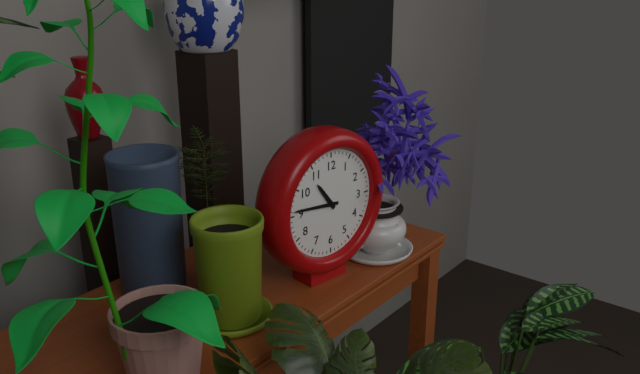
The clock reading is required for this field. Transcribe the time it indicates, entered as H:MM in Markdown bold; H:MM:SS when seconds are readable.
**10:46**
